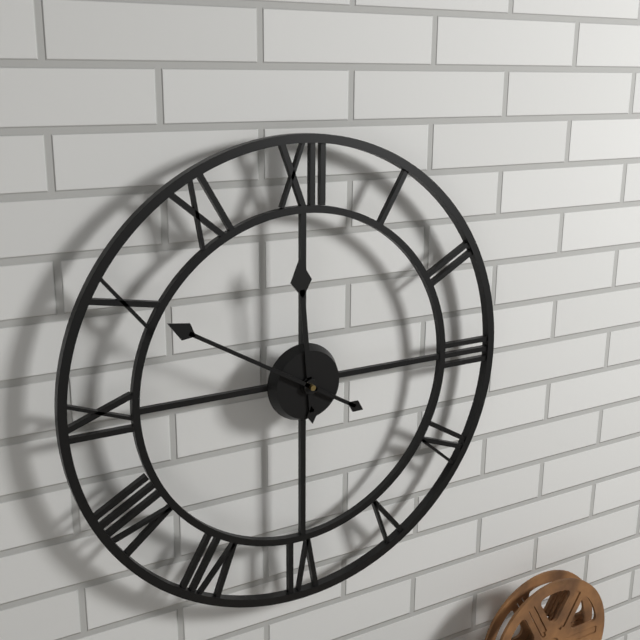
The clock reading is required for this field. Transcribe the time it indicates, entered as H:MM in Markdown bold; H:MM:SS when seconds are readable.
**11:50**
